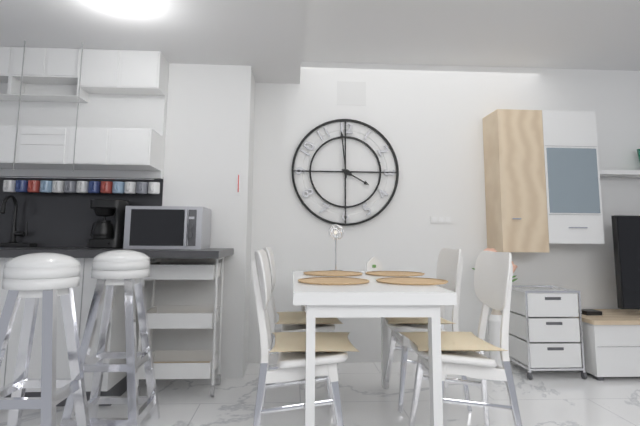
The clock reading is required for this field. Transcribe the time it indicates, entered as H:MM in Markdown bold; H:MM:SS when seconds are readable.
**3:59**
